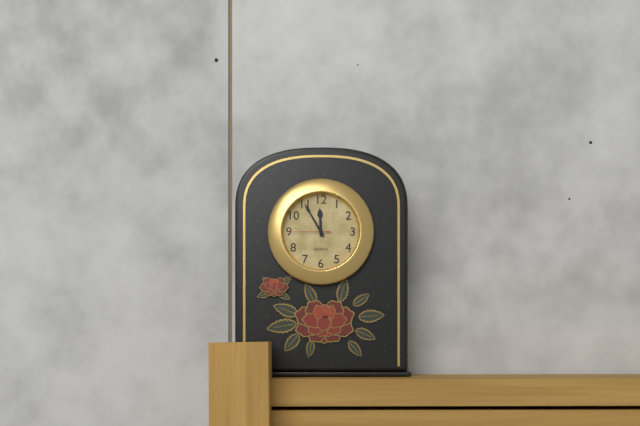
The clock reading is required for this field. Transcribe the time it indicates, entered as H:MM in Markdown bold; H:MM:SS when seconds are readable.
**11:55**
